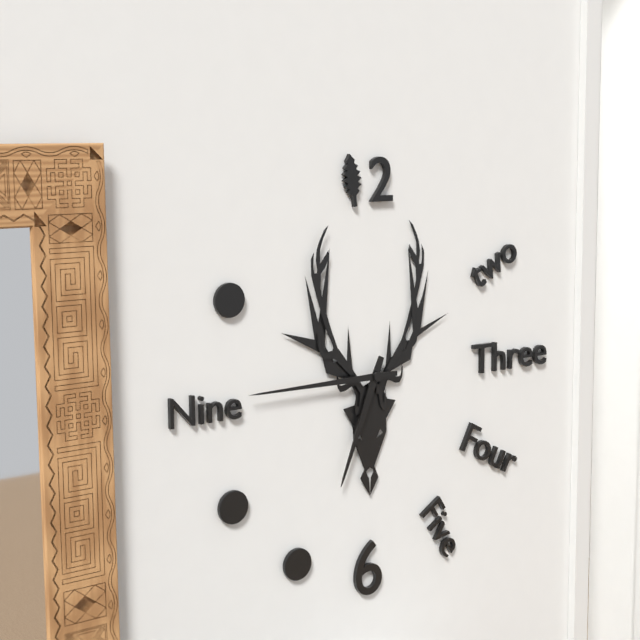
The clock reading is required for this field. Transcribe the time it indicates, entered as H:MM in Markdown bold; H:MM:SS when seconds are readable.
**6:45**
